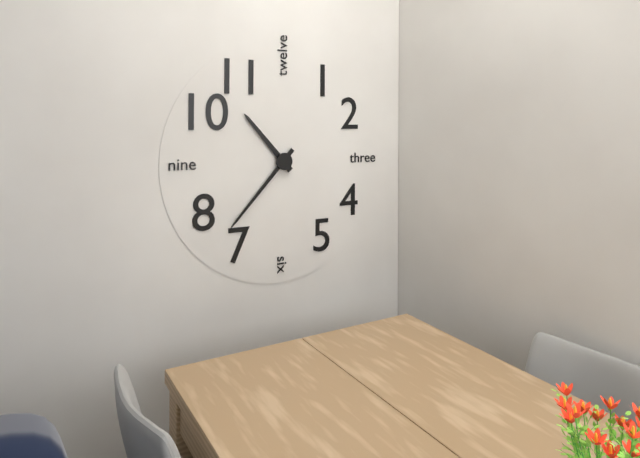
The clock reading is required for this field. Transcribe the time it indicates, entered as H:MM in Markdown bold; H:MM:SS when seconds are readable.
**10:37**
